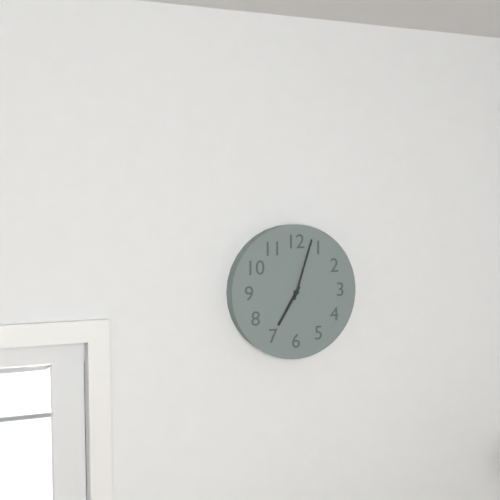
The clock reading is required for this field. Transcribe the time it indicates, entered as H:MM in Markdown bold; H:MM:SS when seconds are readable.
**7:03**
